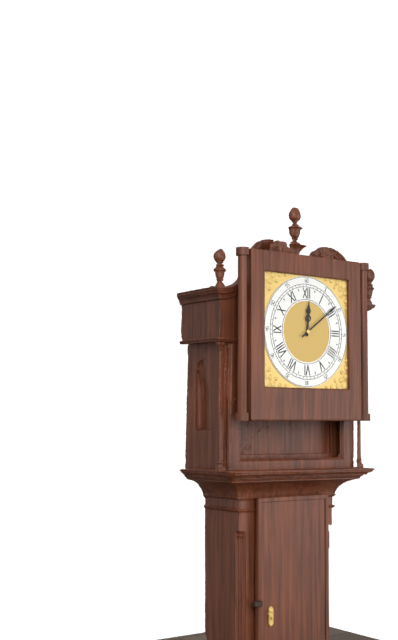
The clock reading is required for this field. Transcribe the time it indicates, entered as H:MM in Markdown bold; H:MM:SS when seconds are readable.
**12:09**
